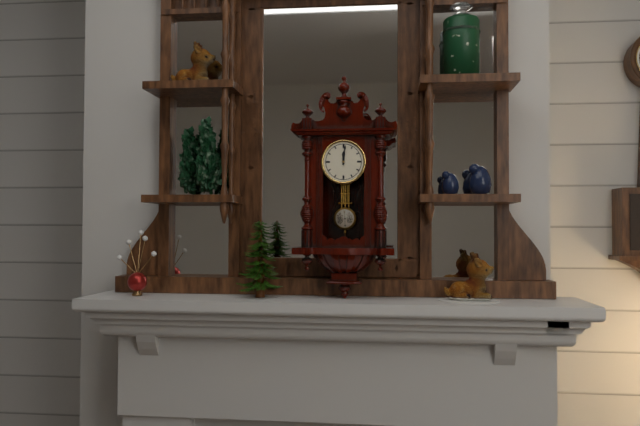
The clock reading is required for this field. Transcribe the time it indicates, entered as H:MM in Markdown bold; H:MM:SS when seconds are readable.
**12:01**
